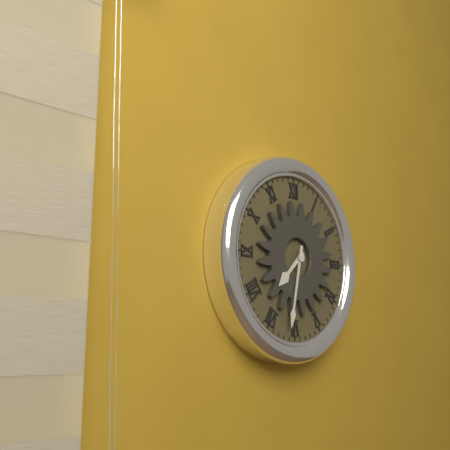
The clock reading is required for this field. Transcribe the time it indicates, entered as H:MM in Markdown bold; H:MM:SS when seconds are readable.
**7:32**
